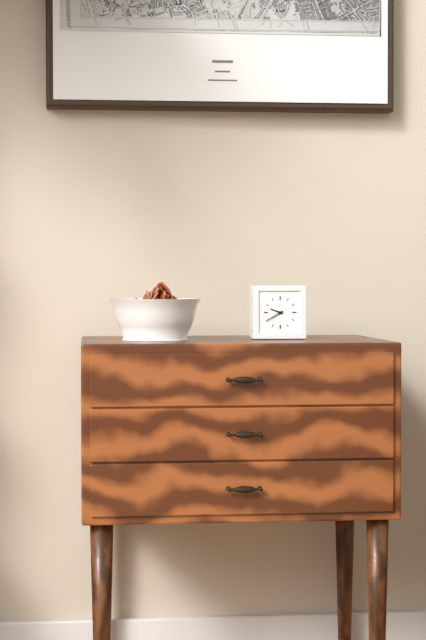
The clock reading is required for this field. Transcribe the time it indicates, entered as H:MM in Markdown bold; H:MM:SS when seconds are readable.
**9:40**
